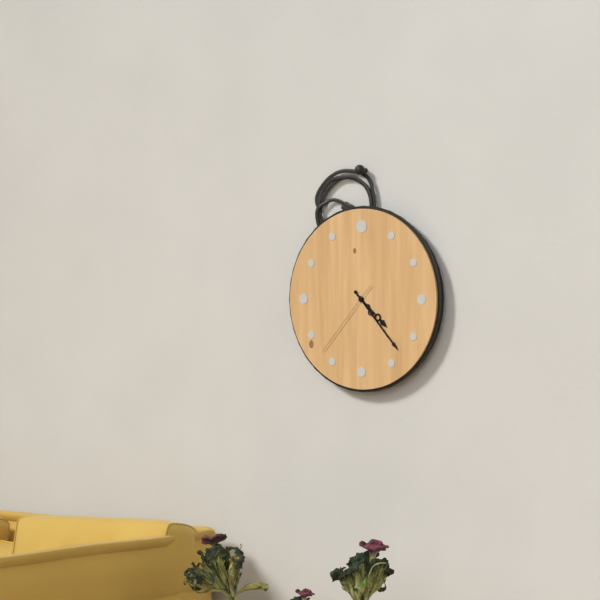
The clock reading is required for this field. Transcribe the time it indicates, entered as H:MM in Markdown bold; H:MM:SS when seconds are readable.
**4:23:37**
